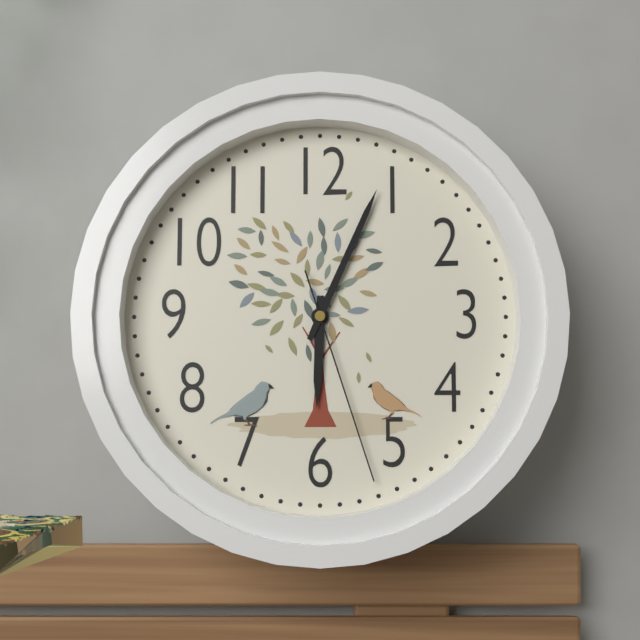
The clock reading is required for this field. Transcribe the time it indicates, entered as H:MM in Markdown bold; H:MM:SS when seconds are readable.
**6:04:27**
